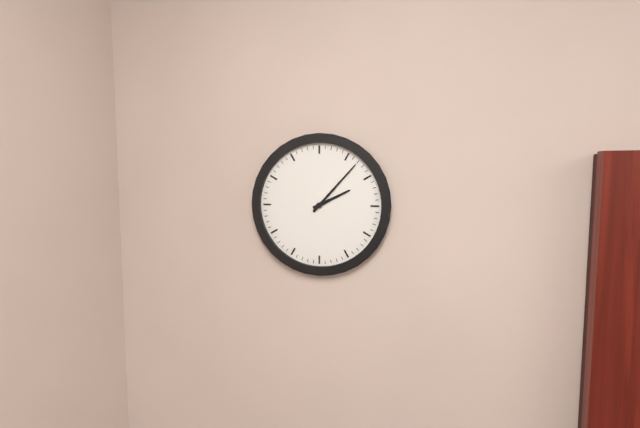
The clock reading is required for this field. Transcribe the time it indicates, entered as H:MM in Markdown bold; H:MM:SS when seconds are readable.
**2:07**
